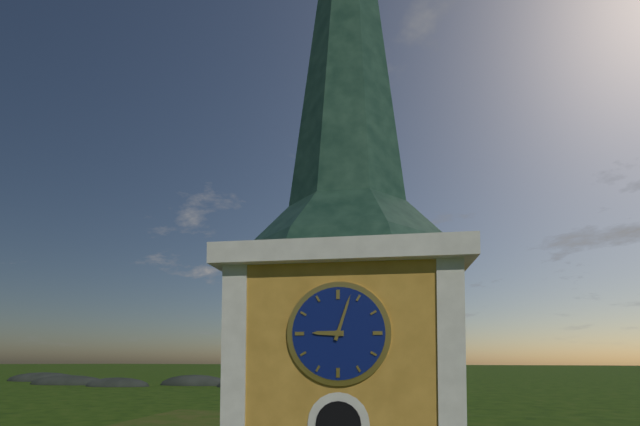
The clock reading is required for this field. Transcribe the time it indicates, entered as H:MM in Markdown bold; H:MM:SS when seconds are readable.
**9:03**
